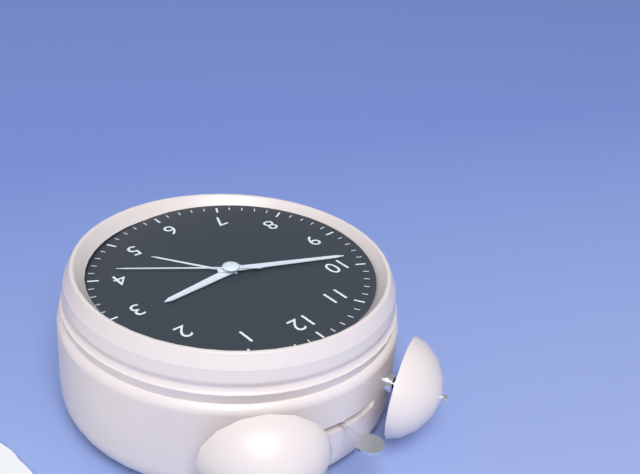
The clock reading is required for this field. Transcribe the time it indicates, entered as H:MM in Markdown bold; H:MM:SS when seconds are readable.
**2:49:21**
